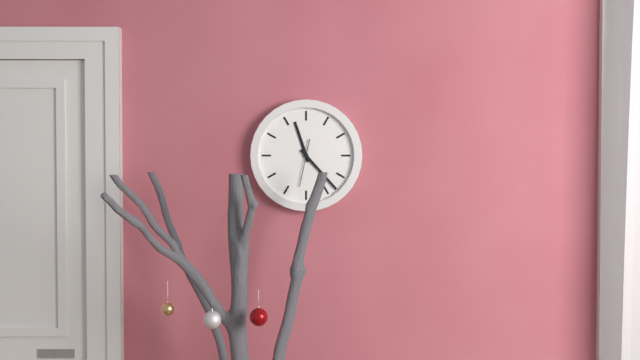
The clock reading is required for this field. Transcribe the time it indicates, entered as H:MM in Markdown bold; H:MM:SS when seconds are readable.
**11:23**
